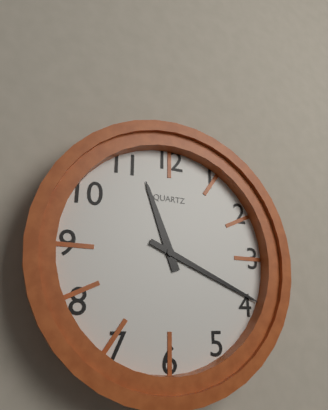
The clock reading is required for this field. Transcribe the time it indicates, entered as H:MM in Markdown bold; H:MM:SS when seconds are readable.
**11:19**
